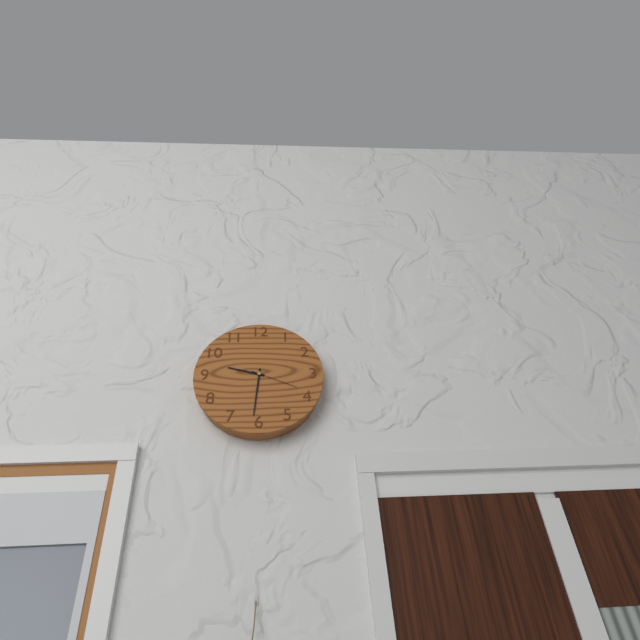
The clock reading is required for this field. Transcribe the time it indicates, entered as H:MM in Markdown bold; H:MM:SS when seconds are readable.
**9:31**
